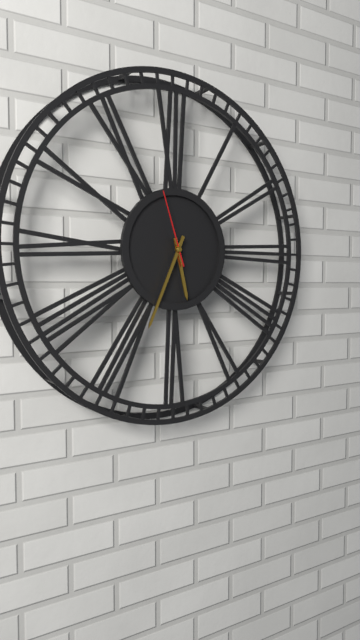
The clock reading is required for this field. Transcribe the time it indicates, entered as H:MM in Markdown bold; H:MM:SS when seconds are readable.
**5:34:57**
